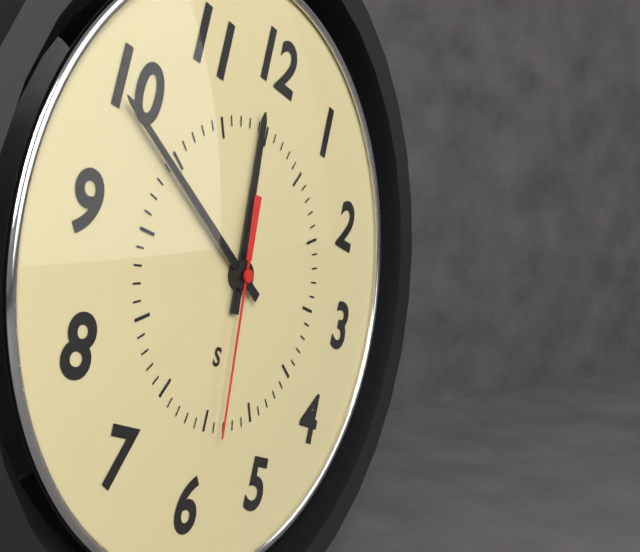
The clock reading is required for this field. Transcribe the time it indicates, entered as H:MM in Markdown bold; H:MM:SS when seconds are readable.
**11:49:29**
